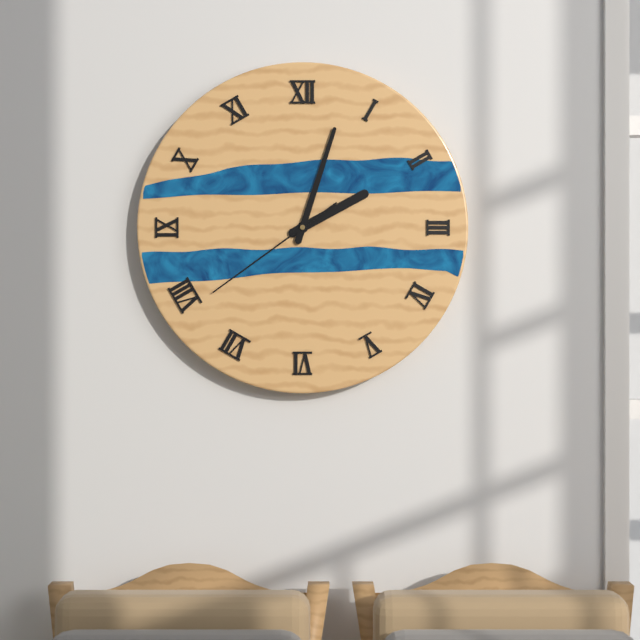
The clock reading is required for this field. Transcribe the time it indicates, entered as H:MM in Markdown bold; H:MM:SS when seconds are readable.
**2:03:39**
